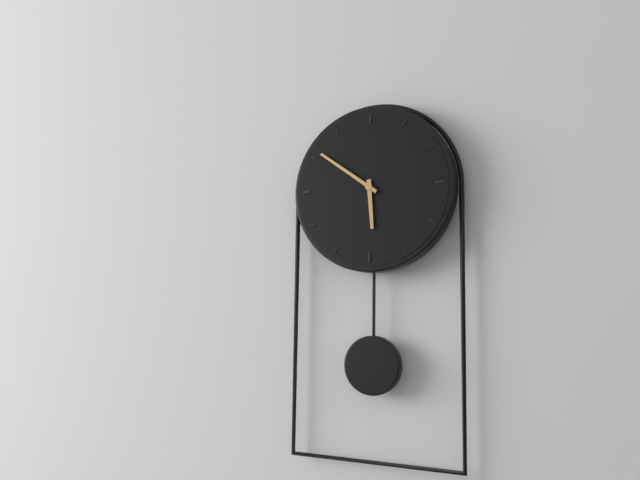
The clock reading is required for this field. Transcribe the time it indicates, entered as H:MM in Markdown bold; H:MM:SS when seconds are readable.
**5:51**
